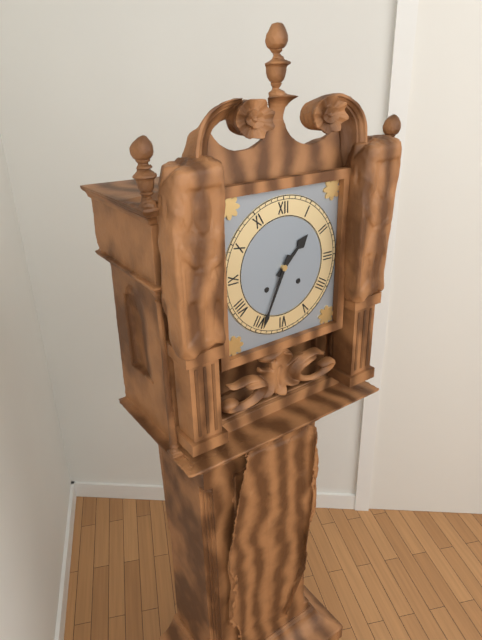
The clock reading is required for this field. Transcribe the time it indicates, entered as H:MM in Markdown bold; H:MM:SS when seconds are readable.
**1:34**
